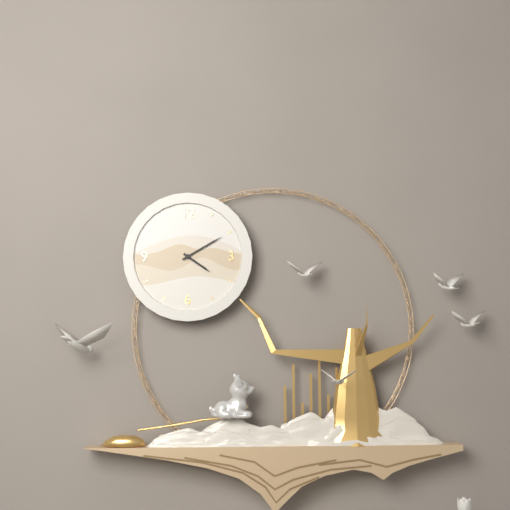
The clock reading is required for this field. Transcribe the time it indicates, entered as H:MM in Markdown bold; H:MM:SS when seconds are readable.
**4:10**
